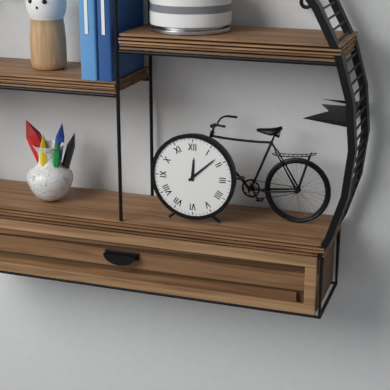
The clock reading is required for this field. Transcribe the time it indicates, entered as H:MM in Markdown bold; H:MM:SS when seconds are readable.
**12:08**
